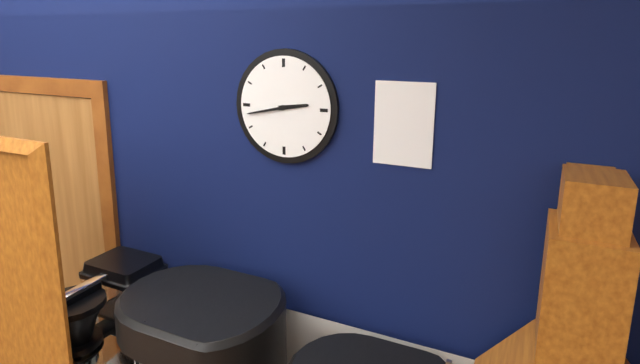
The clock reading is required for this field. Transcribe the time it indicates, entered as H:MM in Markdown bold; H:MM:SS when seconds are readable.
**2:43**
